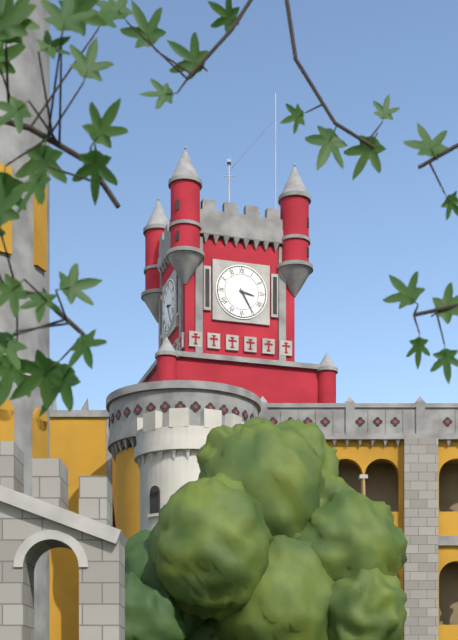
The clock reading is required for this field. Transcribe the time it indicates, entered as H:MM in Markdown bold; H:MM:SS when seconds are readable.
**3:25**
